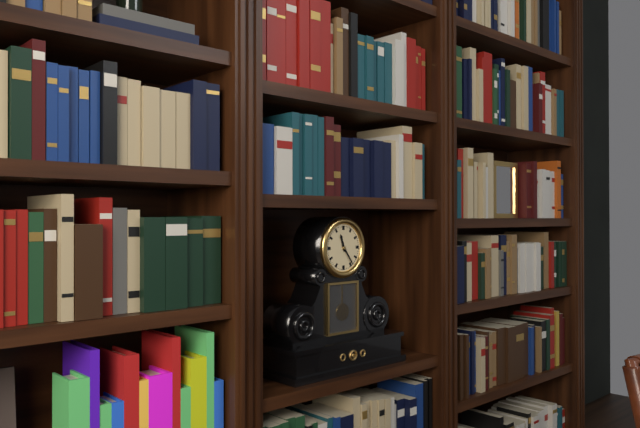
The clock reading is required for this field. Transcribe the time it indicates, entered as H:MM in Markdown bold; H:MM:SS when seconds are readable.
**11:24**
